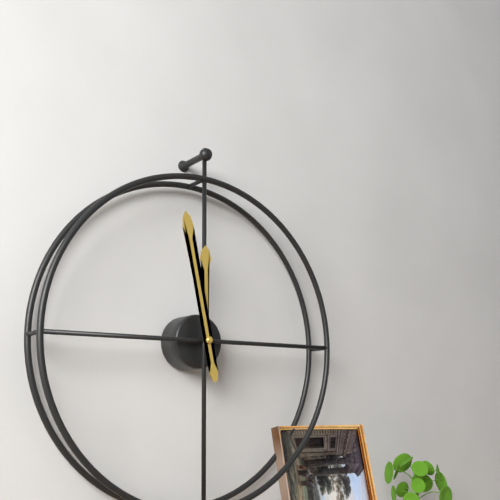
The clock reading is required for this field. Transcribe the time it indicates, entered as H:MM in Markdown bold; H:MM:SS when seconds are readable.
**11:58**
